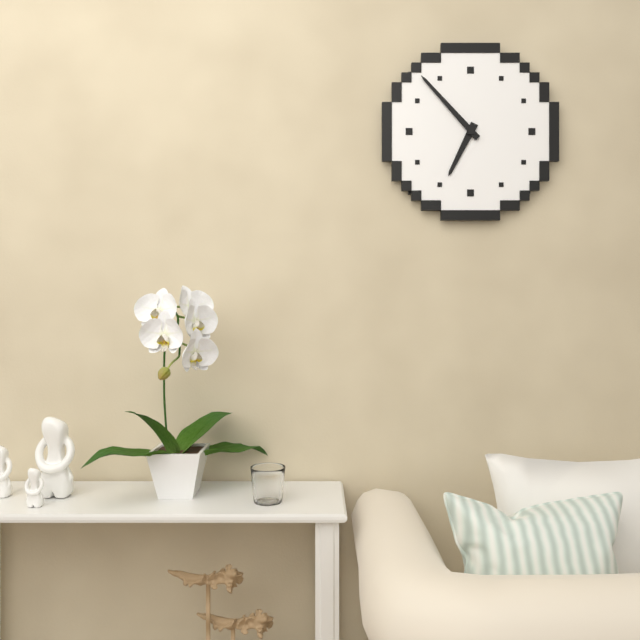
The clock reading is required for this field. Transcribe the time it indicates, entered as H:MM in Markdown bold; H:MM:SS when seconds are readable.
**6:53**
